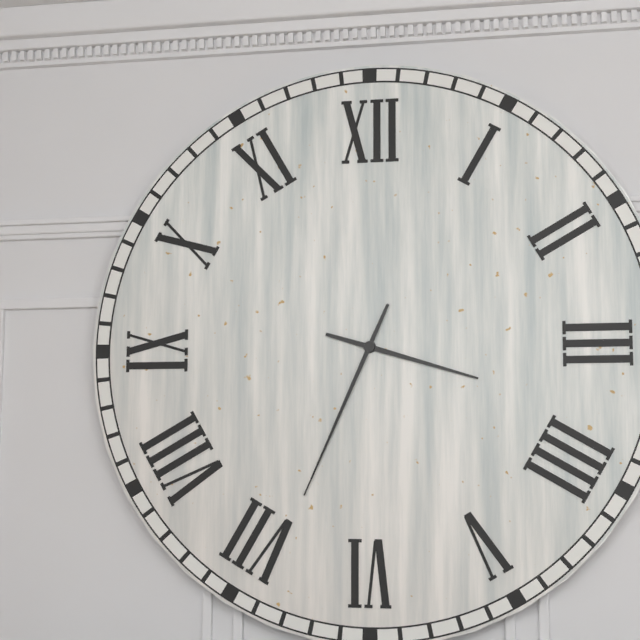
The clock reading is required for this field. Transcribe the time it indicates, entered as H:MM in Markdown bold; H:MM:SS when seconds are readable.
**3:34**
